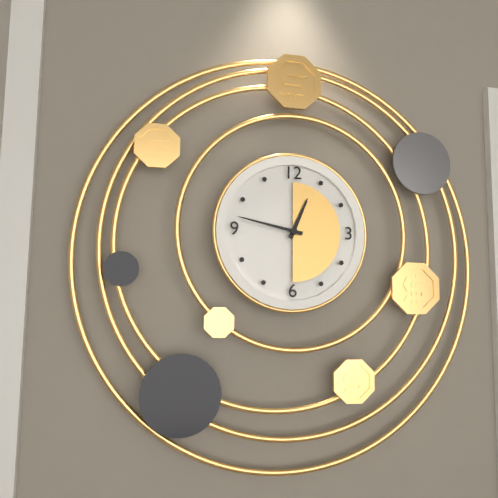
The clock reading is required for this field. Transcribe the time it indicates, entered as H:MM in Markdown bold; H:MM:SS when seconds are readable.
**12:47**
